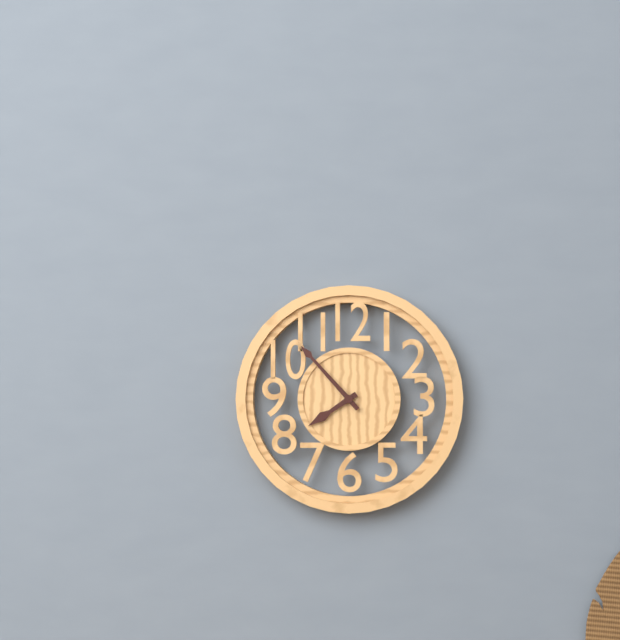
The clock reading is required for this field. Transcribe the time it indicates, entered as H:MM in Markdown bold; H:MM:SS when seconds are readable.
**7:53**
